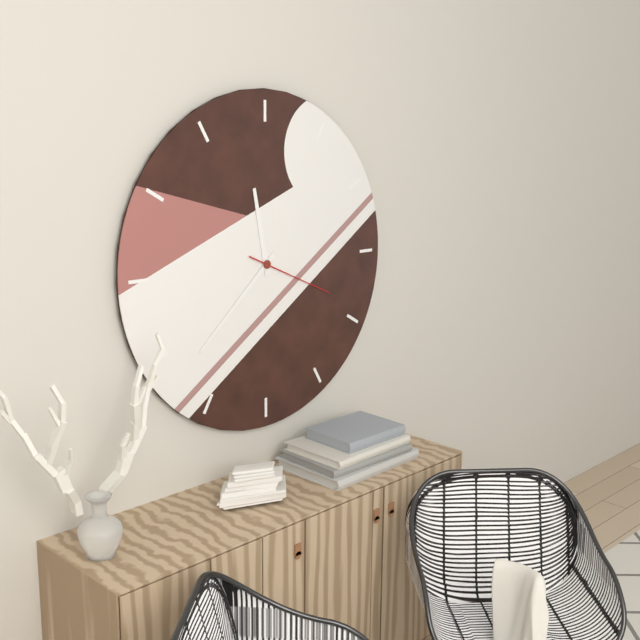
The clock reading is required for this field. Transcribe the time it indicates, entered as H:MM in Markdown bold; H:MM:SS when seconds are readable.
**11:38:19**
